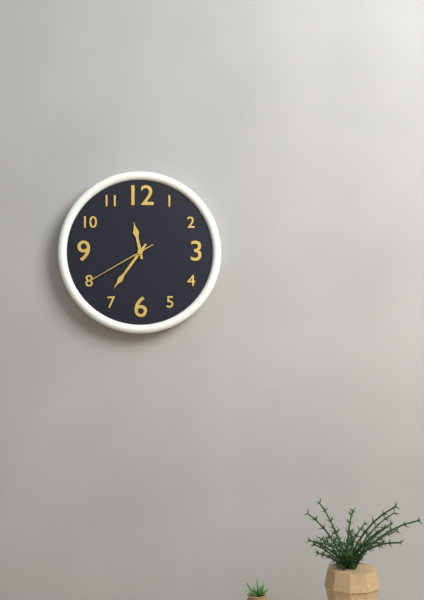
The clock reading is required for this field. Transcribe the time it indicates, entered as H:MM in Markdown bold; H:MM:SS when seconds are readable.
**11:36:40**
